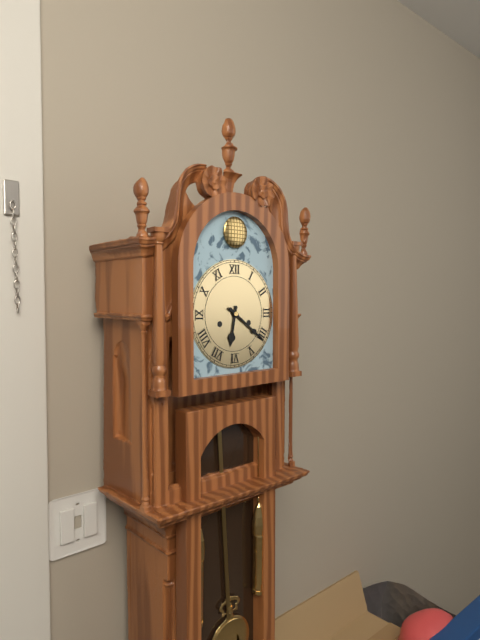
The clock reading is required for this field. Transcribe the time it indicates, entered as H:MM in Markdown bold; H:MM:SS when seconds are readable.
**6:21**
